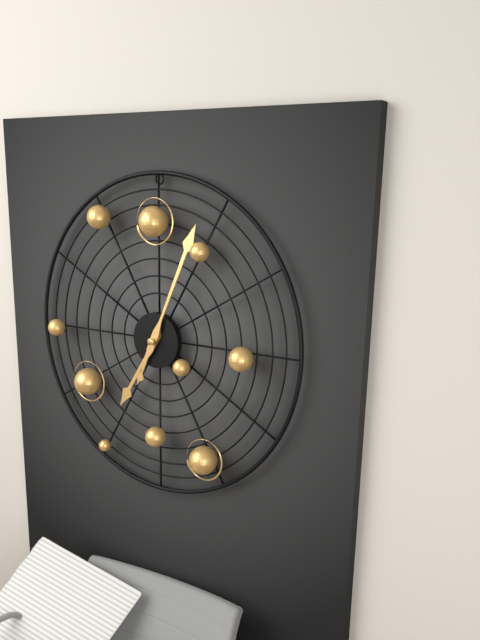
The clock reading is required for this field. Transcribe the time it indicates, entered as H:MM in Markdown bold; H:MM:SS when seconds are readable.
**7:04**
